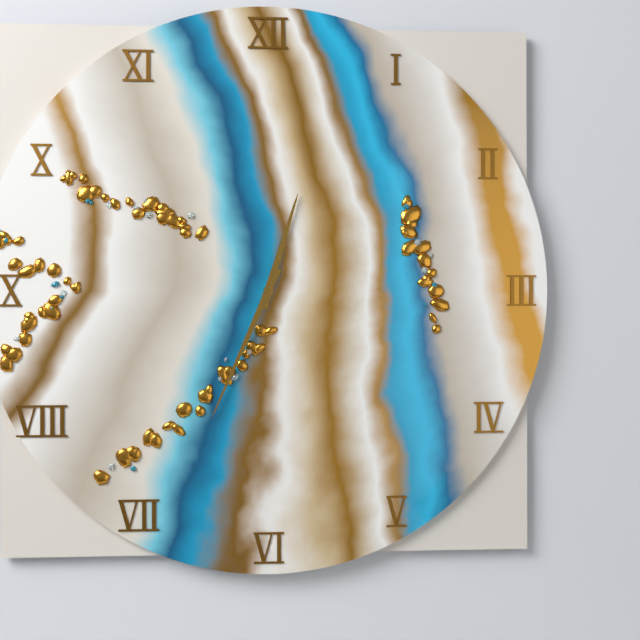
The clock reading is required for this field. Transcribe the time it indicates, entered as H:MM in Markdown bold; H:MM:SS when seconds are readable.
**12:34**
